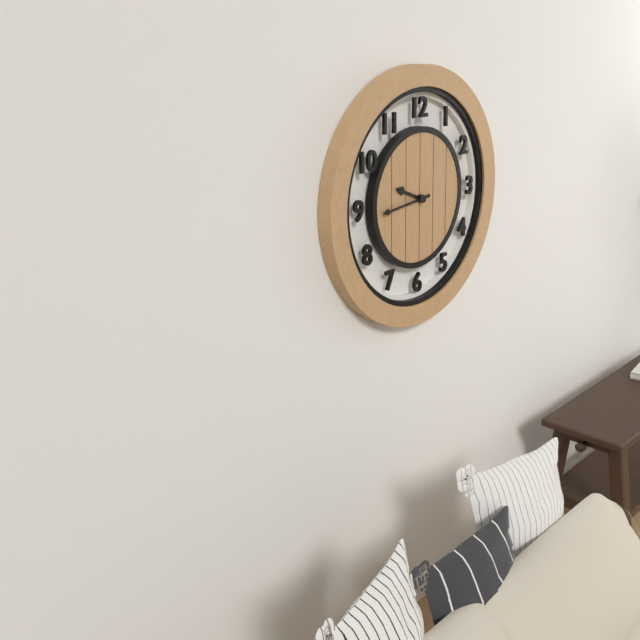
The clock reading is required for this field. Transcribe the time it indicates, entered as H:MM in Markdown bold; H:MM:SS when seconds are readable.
**9:44**
